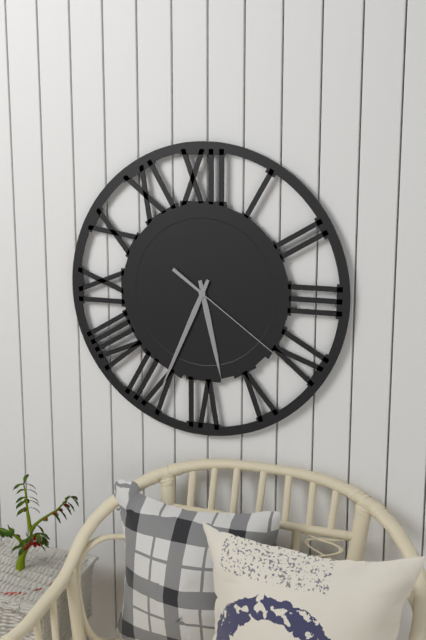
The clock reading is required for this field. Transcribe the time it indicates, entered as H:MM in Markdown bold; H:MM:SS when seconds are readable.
**5:34:21**
